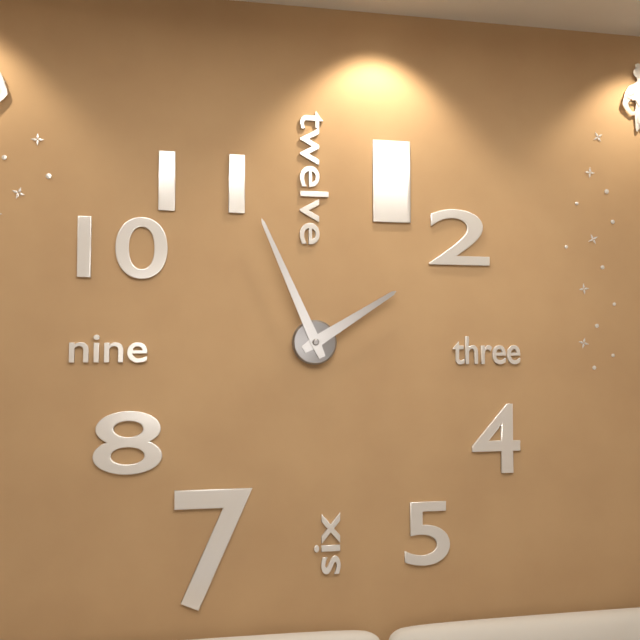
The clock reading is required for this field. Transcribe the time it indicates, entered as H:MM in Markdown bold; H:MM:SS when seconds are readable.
**1:56**
